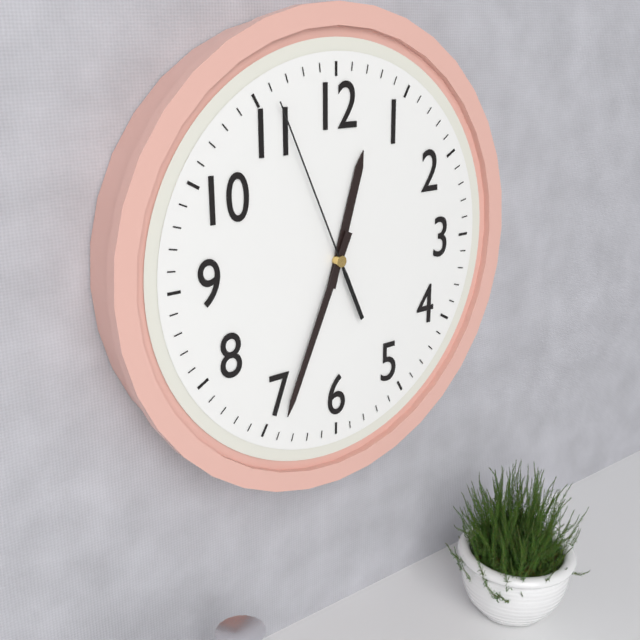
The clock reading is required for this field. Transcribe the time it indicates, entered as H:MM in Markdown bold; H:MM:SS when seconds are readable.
**12:34:56**
